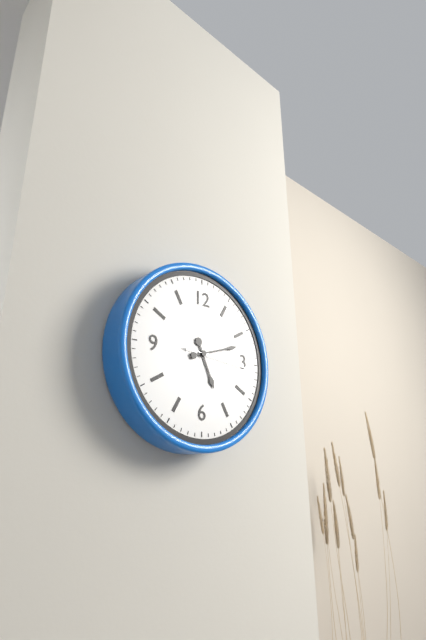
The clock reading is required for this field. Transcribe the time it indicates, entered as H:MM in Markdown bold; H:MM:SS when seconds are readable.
**5:12:16**
